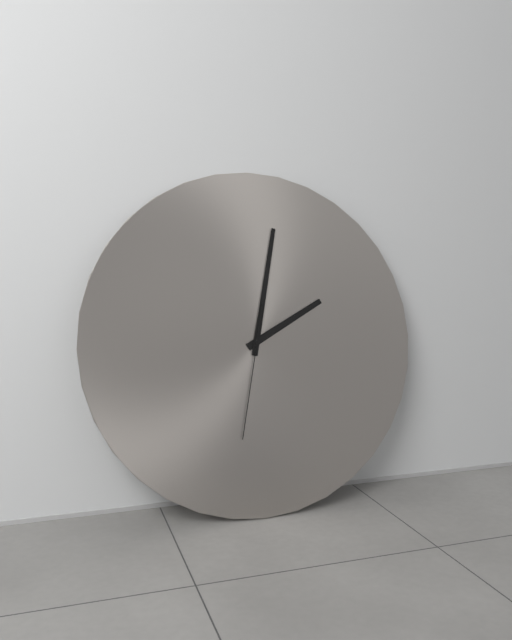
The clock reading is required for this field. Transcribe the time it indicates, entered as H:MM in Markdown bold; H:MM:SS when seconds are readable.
**2:02:32**
